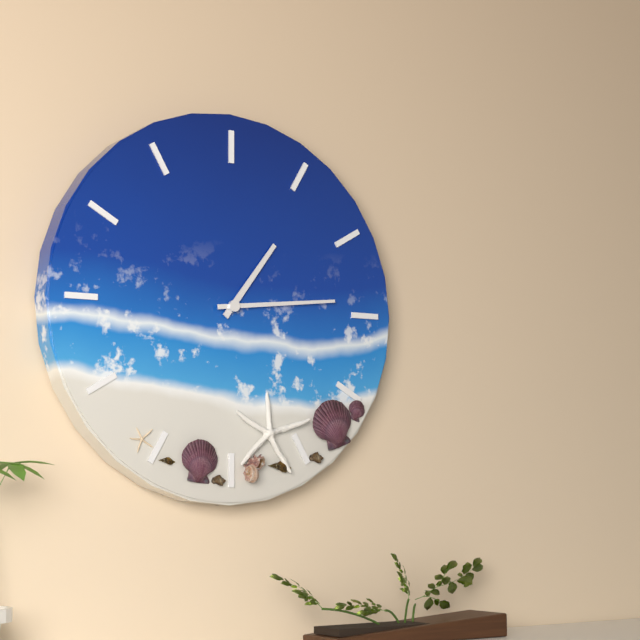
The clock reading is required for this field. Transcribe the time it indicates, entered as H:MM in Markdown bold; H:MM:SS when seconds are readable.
**1:14**
